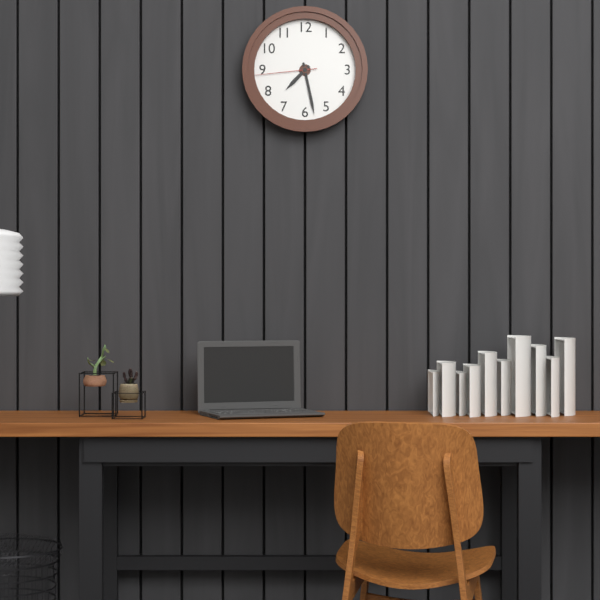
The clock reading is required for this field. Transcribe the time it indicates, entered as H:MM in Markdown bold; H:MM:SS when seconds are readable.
**7:28:44**
